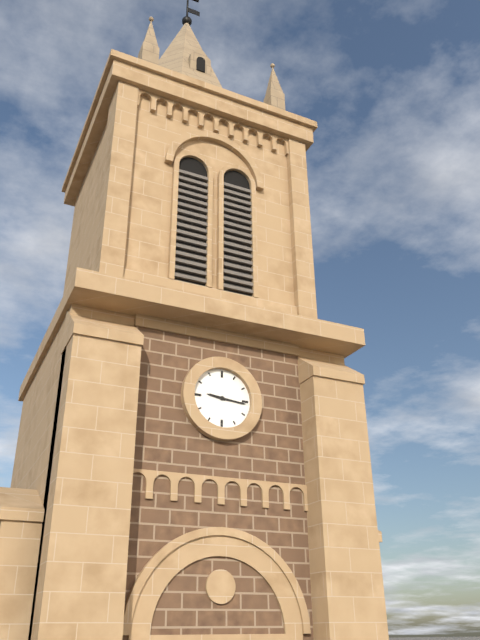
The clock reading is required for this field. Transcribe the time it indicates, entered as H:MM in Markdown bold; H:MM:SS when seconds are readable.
**9:16**
